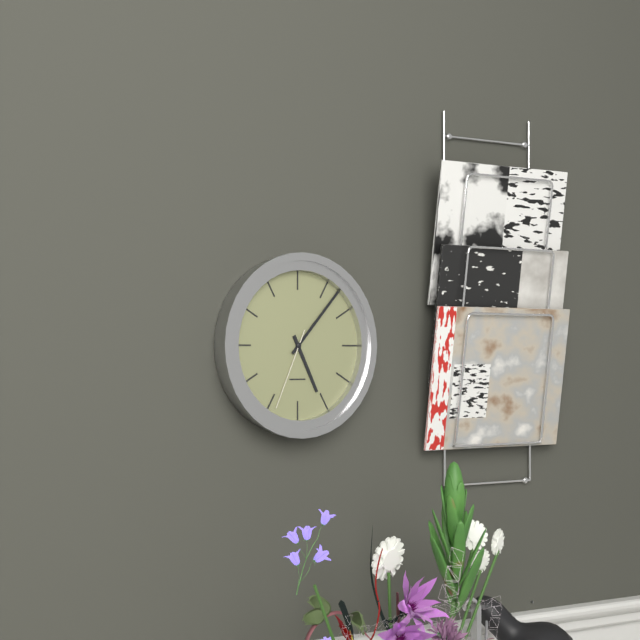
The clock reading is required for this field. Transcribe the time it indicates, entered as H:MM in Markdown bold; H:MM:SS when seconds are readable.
**5:07:34**
